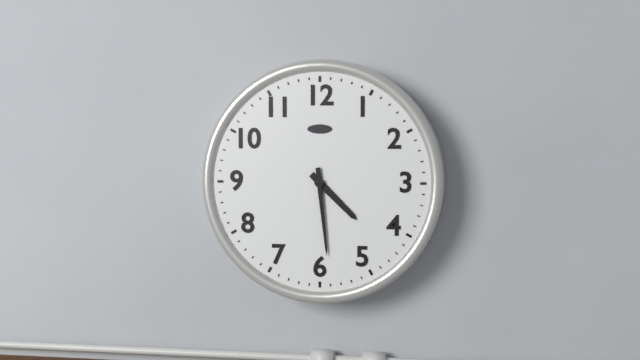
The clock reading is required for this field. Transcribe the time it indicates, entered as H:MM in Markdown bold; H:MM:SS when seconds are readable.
**4:29**
